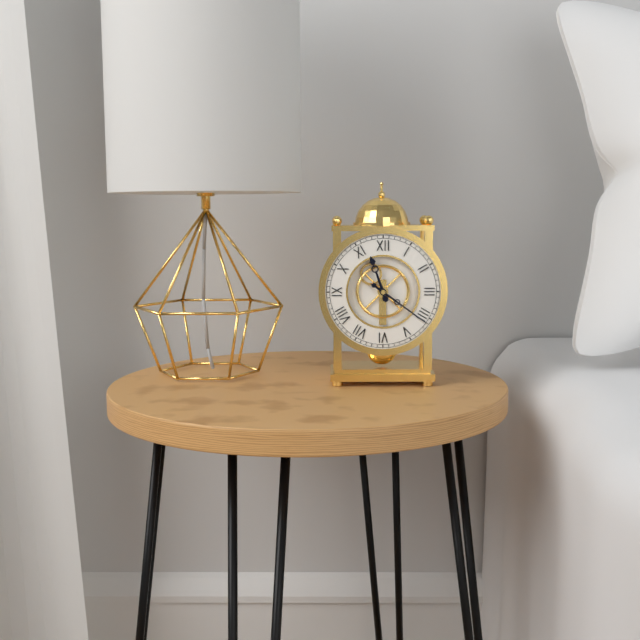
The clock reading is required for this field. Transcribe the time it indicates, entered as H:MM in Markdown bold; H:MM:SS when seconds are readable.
**11:21**
